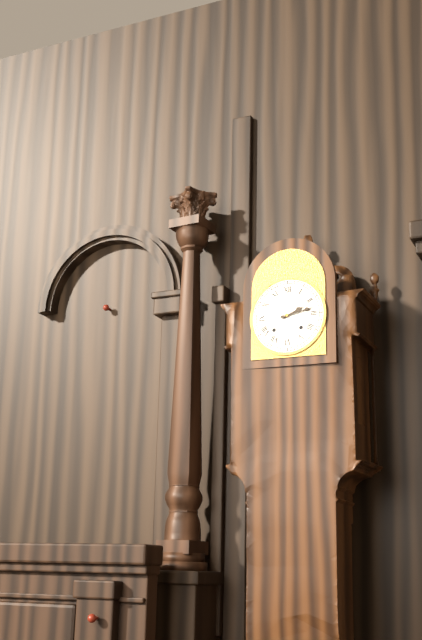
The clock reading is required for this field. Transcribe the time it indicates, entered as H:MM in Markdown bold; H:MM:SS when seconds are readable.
**2:13**
